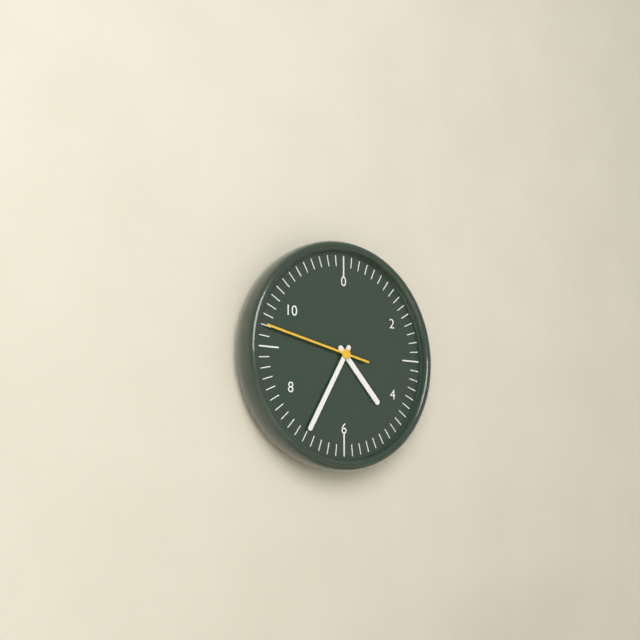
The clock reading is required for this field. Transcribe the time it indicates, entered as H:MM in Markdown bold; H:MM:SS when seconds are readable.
**4:35:47**
